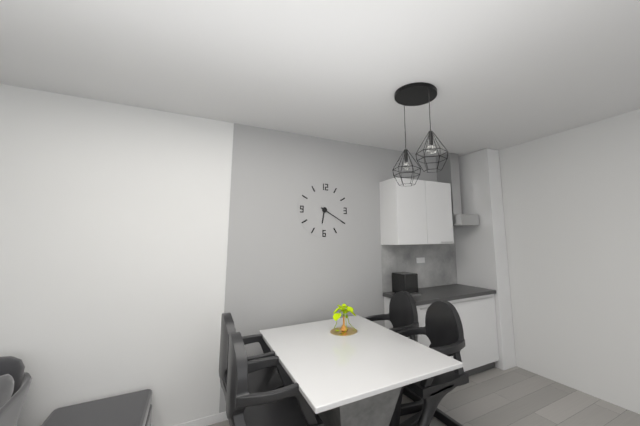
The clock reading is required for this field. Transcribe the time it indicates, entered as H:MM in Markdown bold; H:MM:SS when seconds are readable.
**6:20**
